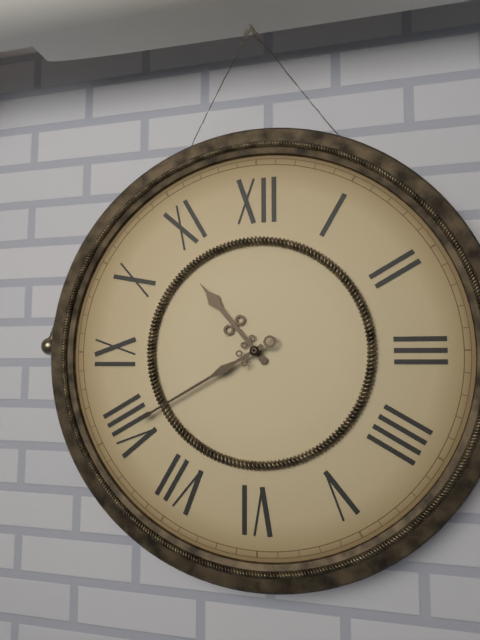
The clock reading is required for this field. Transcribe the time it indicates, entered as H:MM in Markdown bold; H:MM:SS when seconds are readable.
**10:40**
